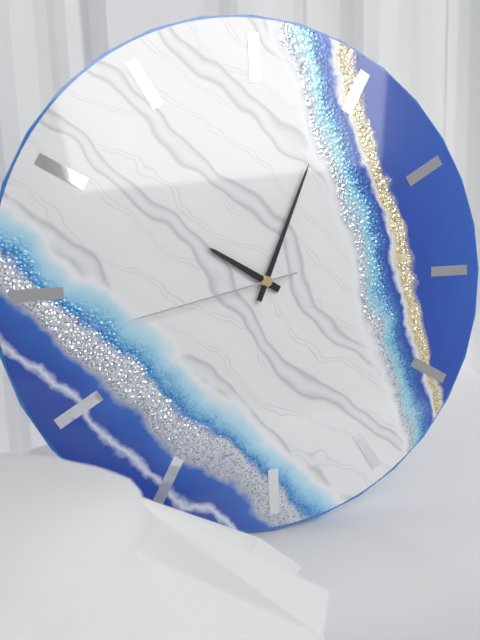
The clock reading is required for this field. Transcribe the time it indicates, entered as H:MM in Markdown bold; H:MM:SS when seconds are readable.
**10:04:43**
